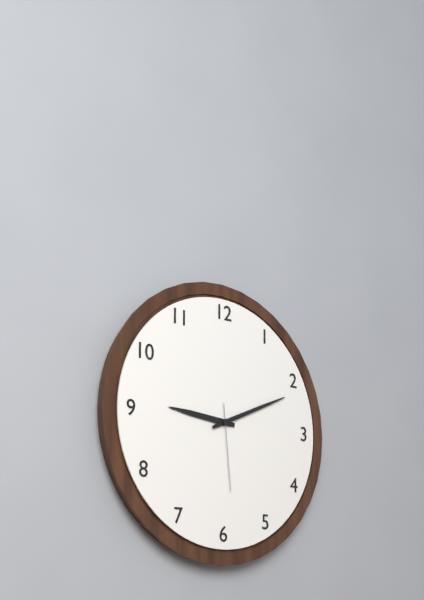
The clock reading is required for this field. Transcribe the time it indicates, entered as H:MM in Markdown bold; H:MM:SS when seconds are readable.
**9:11:29**
